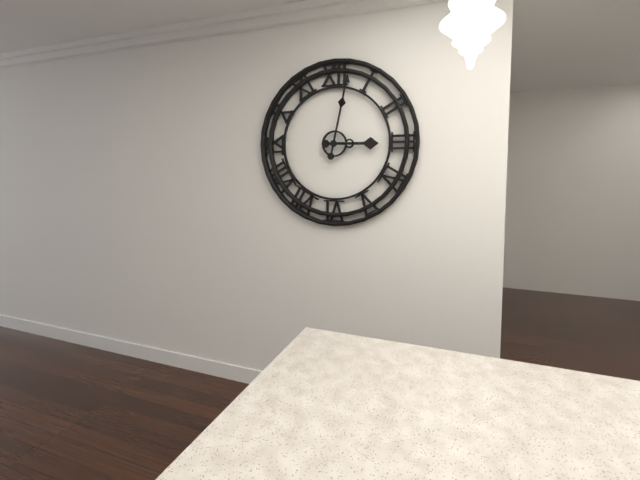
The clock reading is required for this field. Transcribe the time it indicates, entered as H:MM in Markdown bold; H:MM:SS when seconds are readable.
**3:02**
